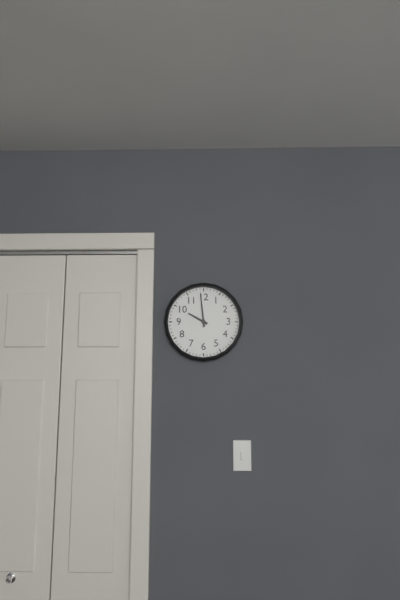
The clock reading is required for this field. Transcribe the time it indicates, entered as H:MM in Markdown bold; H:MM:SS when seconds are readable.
**9:59**
